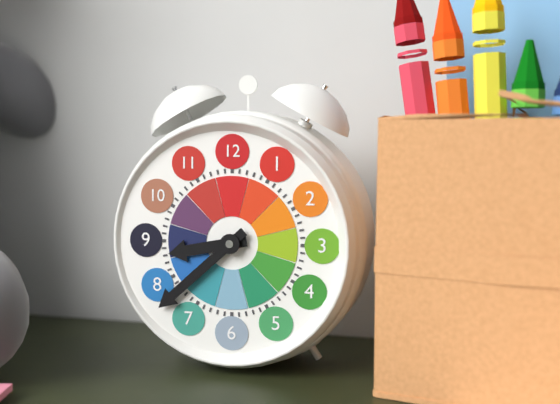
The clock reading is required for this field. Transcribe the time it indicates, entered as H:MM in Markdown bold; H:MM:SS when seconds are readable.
**8:38**
